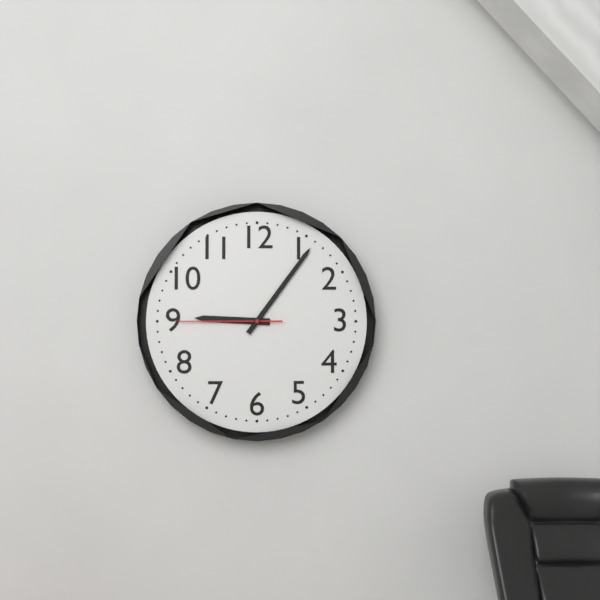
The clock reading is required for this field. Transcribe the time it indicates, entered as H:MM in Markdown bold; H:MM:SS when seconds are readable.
**9:06:45**
